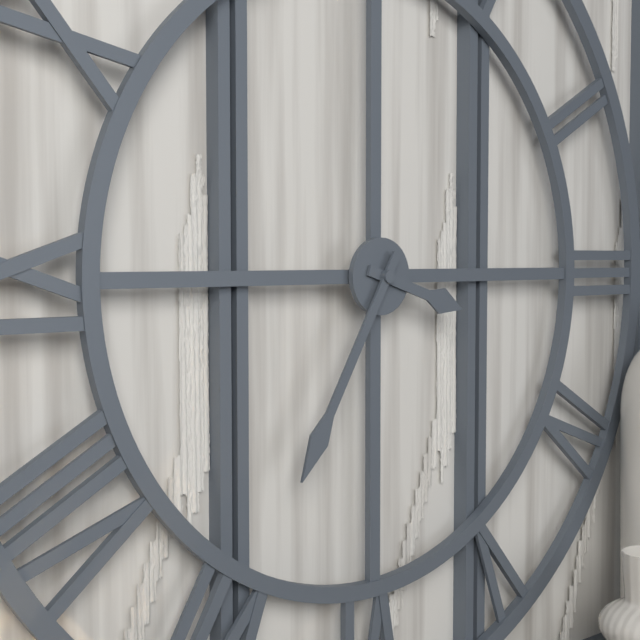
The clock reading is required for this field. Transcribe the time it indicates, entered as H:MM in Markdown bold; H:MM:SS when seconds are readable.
**3:35**
